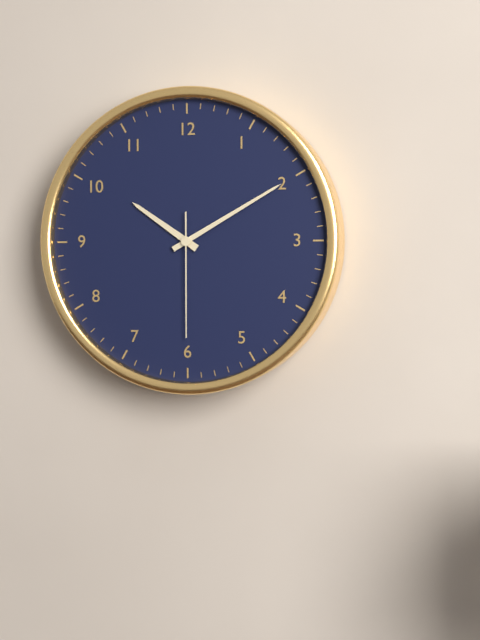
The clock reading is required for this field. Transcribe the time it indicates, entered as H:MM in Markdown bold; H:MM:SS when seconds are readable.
**10:10:30**
